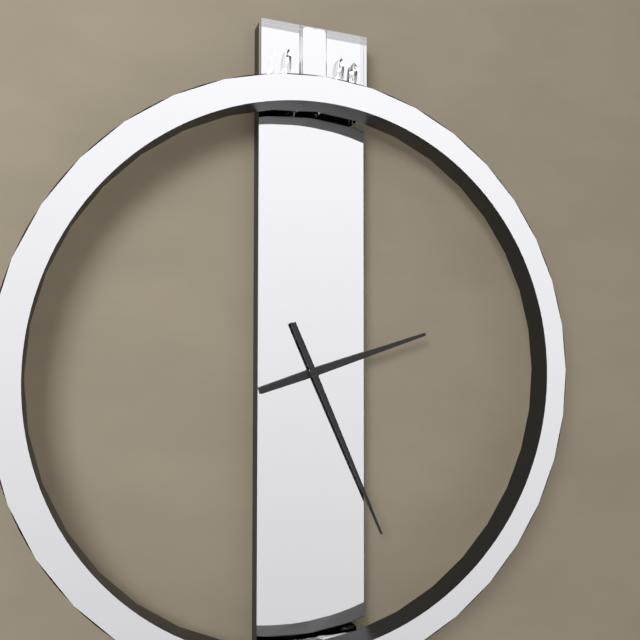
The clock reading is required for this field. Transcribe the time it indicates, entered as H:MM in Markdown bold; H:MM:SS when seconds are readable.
**2:26**
